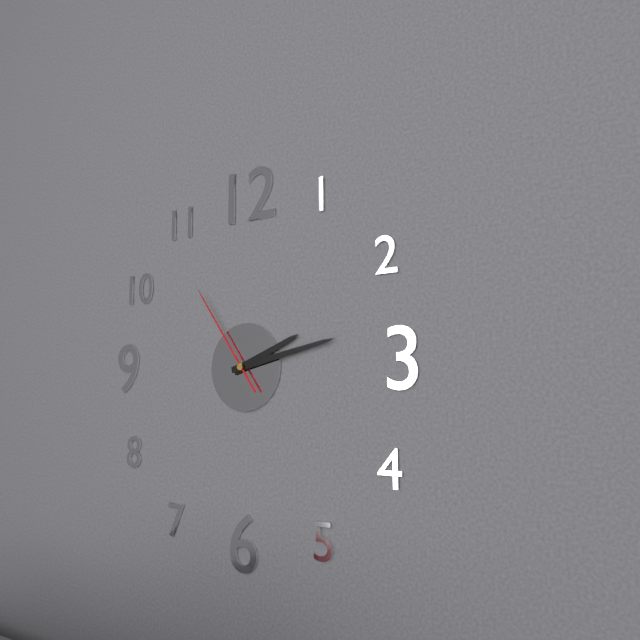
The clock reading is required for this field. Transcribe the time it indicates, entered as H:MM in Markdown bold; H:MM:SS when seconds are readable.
**2:13:54**
